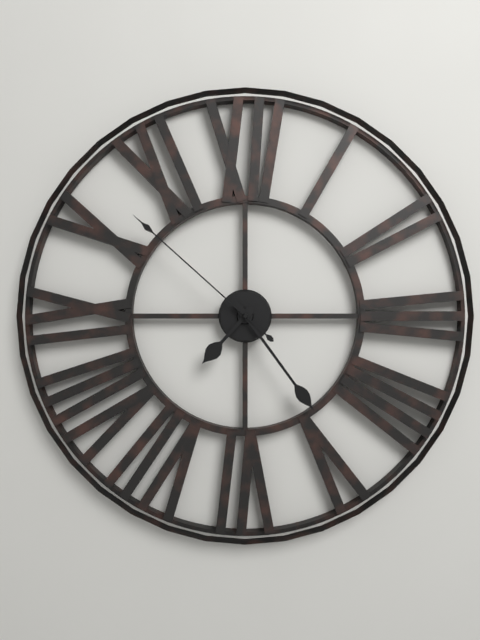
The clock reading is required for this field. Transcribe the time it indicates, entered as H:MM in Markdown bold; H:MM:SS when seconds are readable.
**7:24:52**
